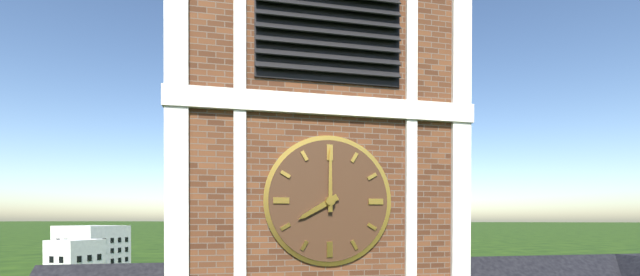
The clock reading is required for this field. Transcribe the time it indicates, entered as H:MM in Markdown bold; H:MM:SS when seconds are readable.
**8:00**
